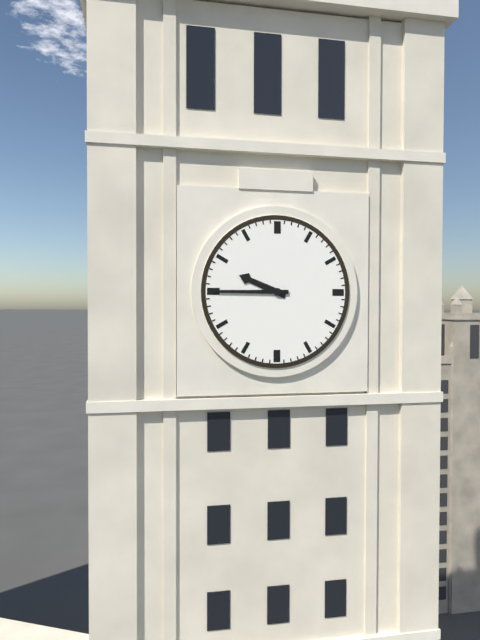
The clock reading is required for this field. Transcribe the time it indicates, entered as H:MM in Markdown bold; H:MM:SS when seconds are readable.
**9:45**
